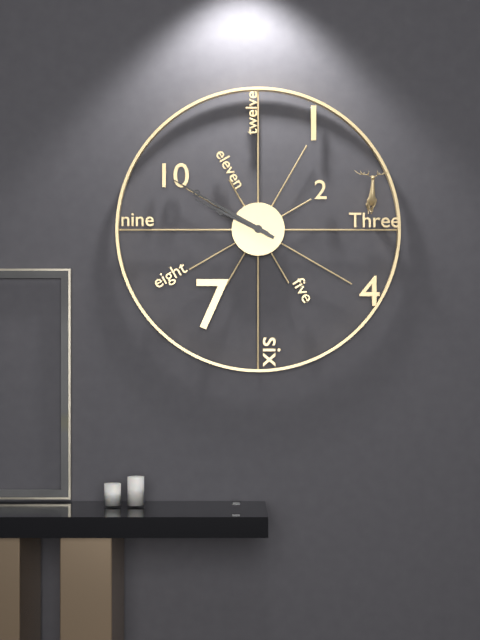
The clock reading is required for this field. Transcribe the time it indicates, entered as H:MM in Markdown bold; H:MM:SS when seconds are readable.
**9:50**
